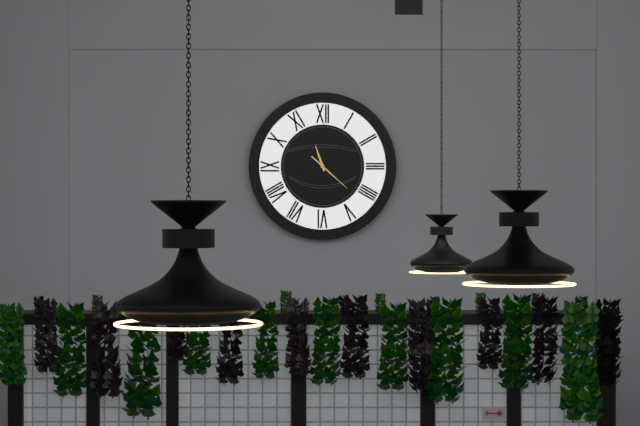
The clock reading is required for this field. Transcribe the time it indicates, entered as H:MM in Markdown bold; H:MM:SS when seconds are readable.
**11:22**
